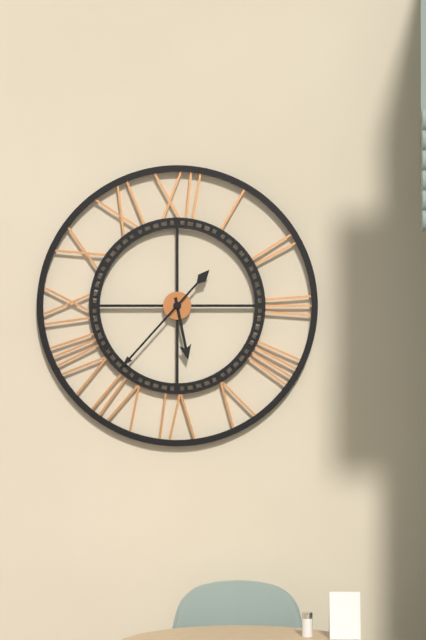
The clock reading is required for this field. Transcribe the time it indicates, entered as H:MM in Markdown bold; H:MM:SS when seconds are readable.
**5:37**
